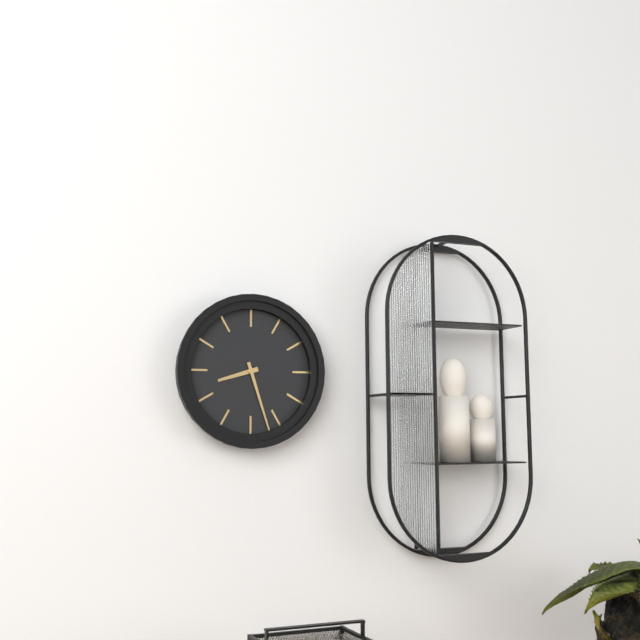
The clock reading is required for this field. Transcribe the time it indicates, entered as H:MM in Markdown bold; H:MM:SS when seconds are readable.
**8:27**
